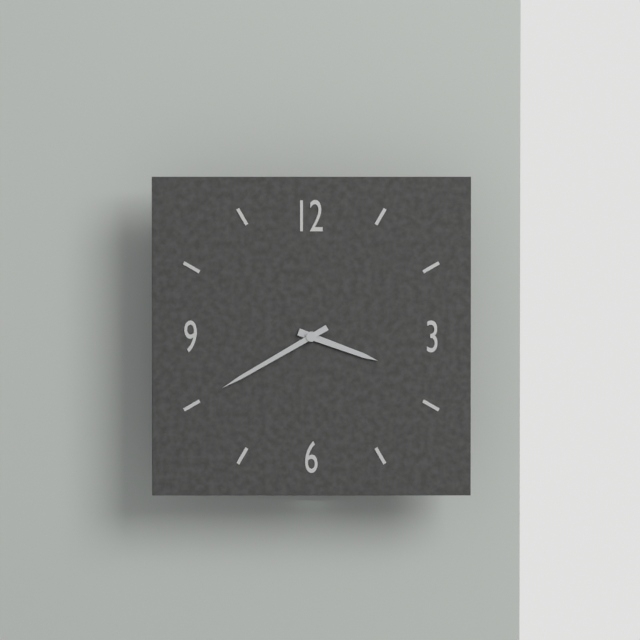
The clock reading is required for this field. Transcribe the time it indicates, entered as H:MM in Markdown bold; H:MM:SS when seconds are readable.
**3:40**
